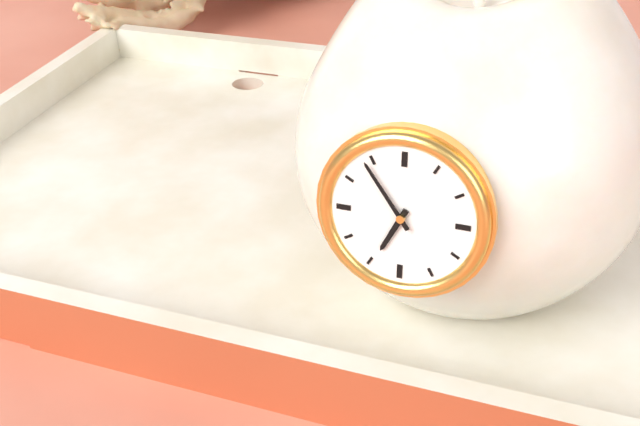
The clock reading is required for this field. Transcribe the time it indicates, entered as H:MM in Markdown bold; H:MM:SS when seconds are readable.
**6:54**
